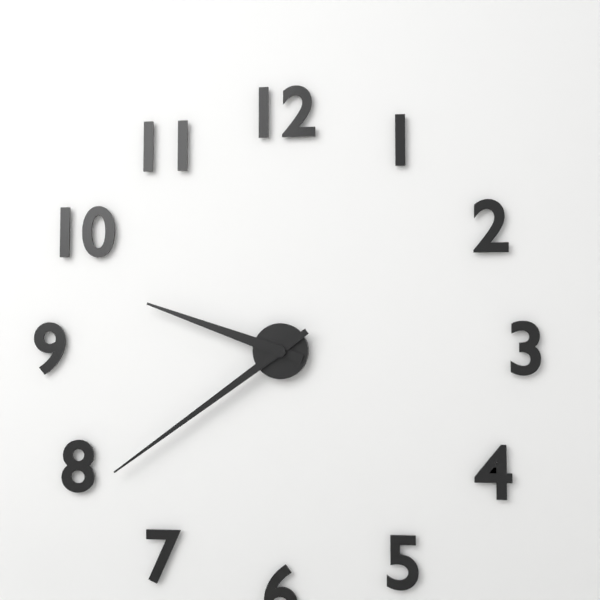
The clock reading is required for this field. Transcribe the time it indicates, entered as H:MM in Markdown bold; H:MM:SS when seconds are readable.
**9:39**
